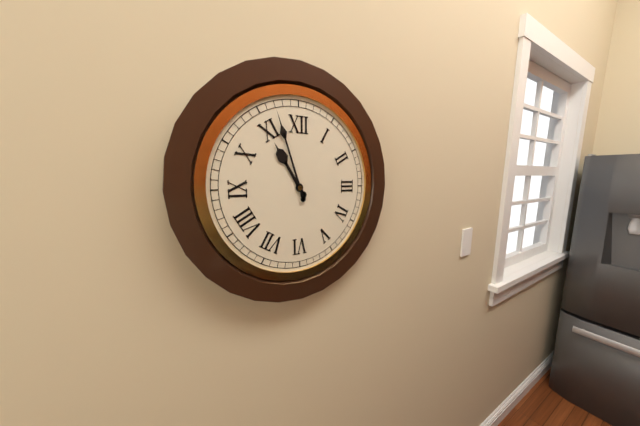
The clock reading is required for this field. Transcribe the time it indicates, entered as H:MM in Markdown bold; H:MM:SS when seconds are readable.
**10:57**
